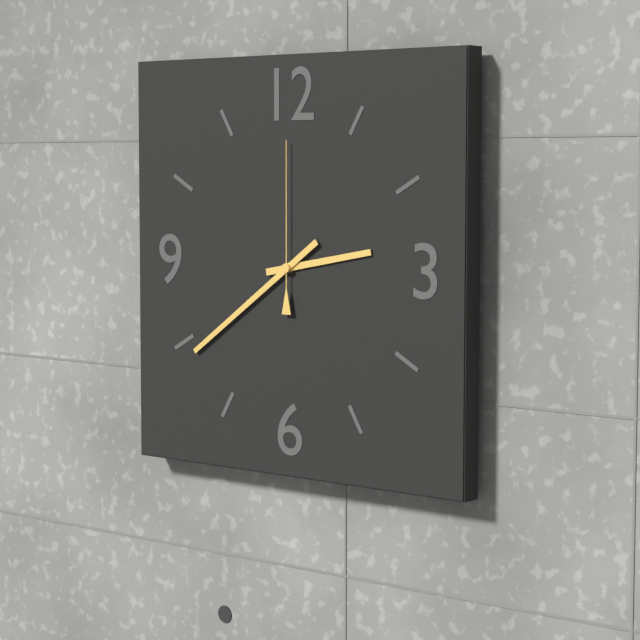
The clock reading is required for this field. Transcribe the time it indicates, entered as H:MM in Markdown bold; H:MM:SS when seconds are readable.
**2:39:00**
